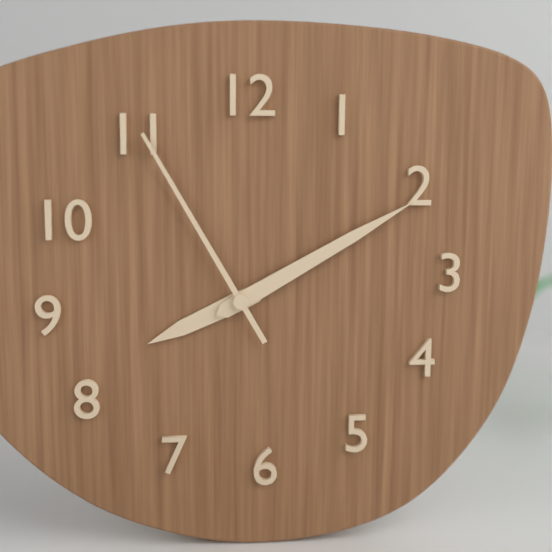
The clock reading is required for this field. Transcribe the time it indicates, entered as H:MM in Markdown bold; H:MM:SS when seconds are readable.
**8:10:55**
